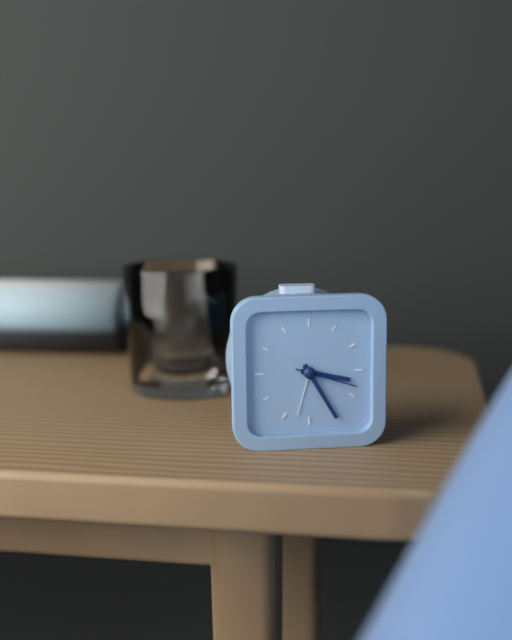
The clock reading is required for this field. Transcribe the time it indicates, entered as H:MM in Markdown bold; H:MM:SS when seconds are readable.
**3:25:18**
